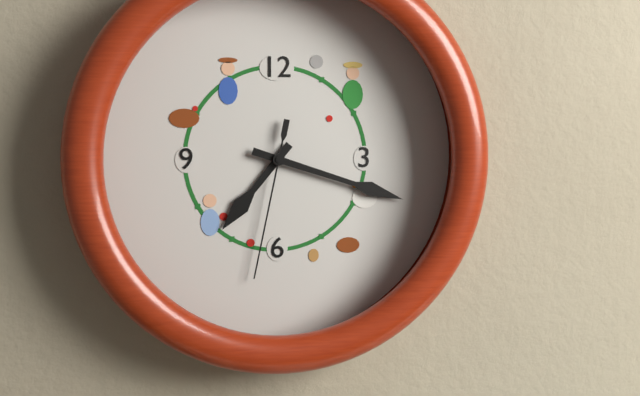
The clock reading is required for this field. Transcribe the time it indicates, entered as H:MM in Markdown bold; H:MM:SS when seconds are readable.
**7:18:32**
